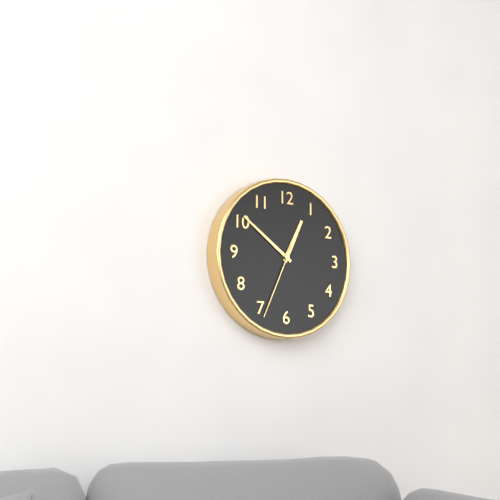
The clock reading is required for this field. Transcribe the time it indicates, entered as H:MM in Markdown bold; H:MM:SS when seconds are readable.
**12:51:34**
